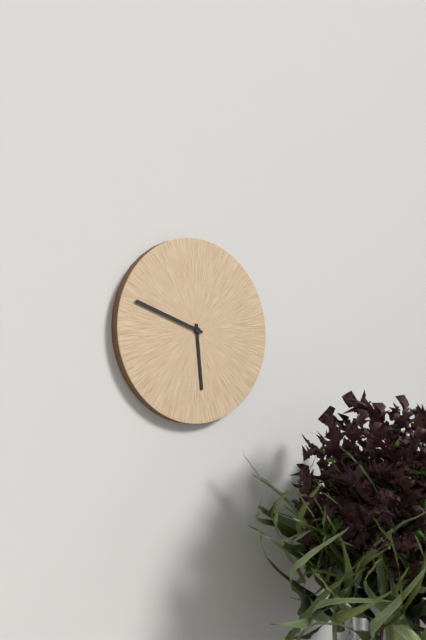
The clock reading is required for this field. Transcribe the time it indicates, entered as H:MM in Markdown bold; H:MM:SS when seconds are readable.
**5:48**
